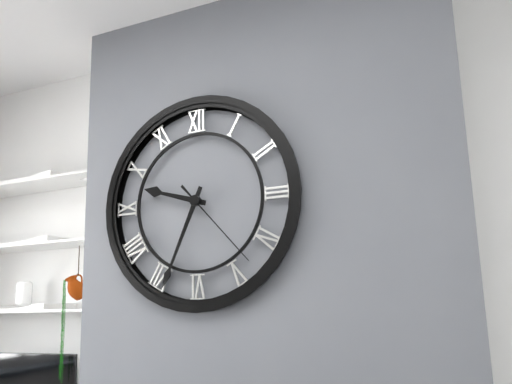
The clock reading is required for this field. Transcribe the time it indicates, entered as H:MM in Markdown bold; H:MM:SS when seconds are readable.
**9:34:23**
